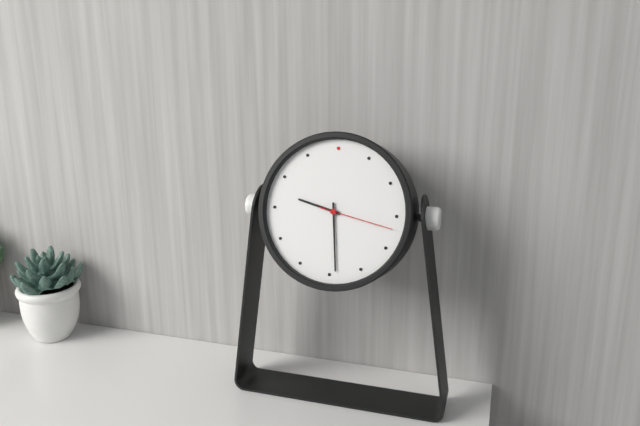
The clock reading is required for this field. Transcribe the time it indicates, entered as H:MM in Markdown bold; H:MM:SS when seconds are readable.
**9:29:17**
